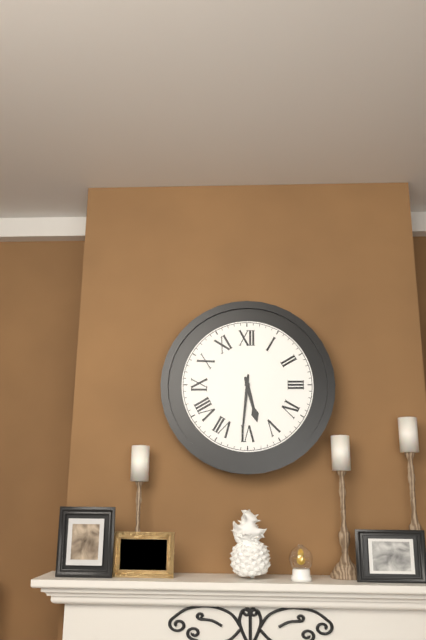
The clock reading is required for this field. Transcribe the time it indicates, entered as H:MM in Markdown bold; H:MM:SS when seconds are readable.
**5:31**
